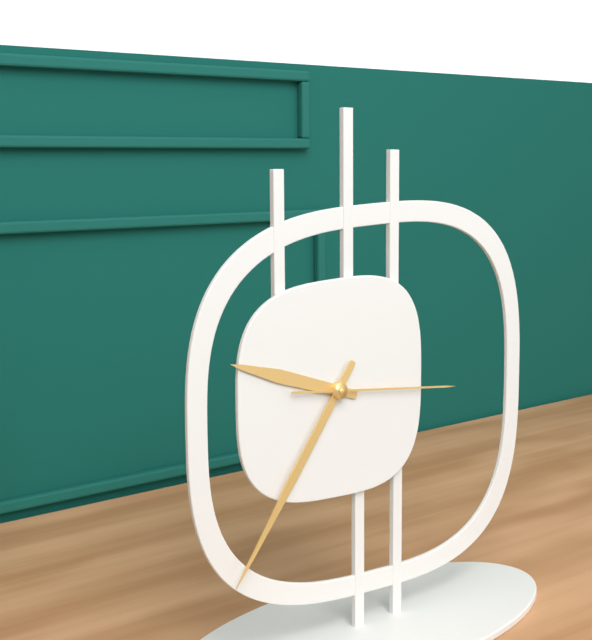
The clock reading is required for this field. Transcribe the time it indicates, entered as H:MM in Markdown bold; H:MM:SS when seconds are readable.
**9:36:16**
